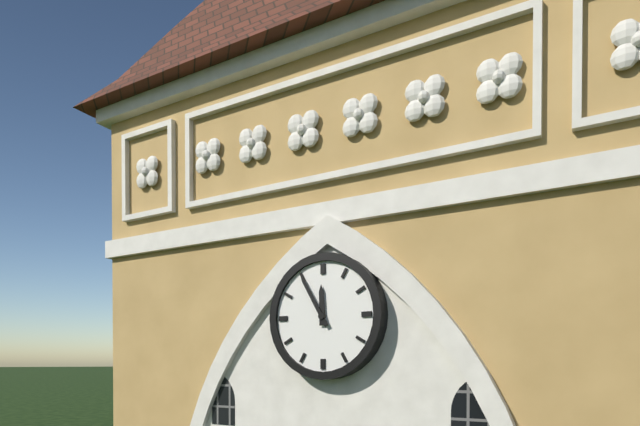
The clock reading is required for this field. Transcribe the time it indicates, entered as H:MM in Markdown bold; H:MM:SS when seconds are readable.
**11:55**
